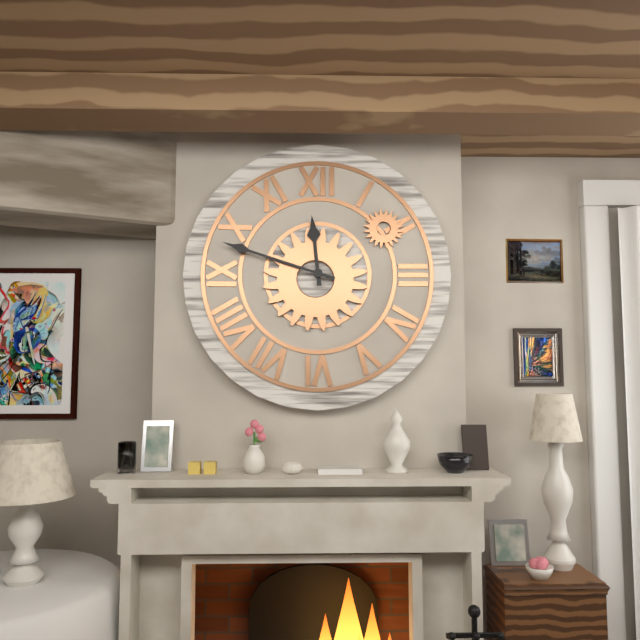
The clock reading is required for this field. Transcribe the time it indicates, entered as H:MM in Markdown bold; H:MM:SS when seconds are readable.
**11:48**
